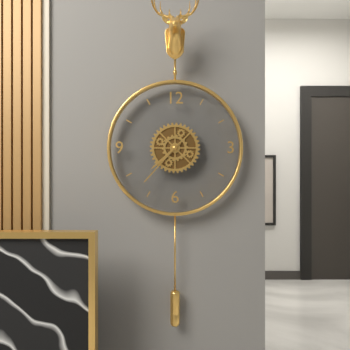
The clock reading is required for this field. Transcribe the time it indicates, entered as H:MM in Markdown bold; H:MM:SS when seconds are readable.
**7:37**
